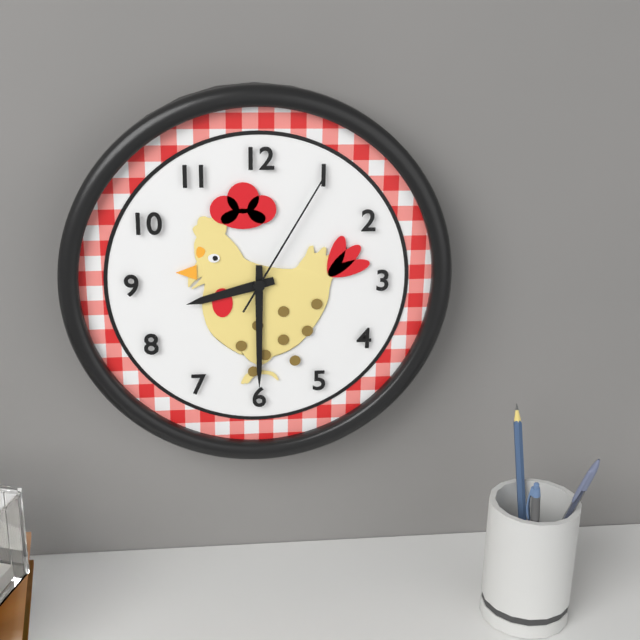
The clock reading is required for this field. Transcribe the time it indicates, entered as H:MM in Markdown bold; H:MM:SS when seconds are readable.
**8:30:05**
